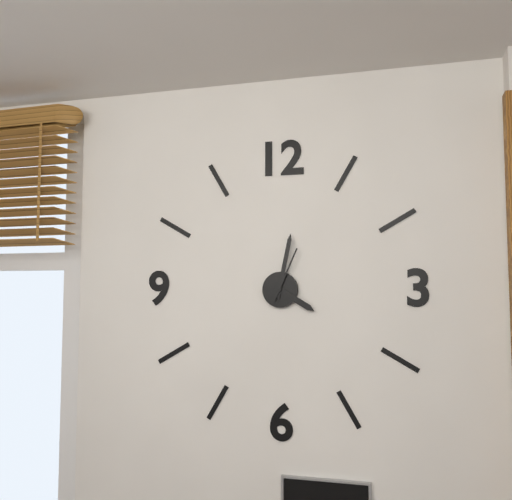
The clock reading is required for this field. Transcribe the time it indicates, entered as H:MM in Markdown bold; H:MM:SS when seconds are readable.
**4:02:04**
